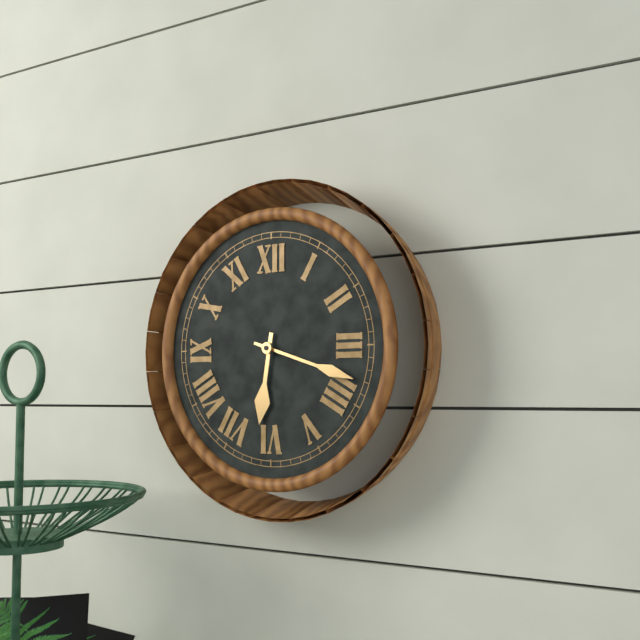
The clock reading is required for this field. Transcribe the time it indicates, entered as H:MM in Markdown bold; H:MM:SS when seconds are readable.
**6:18**
